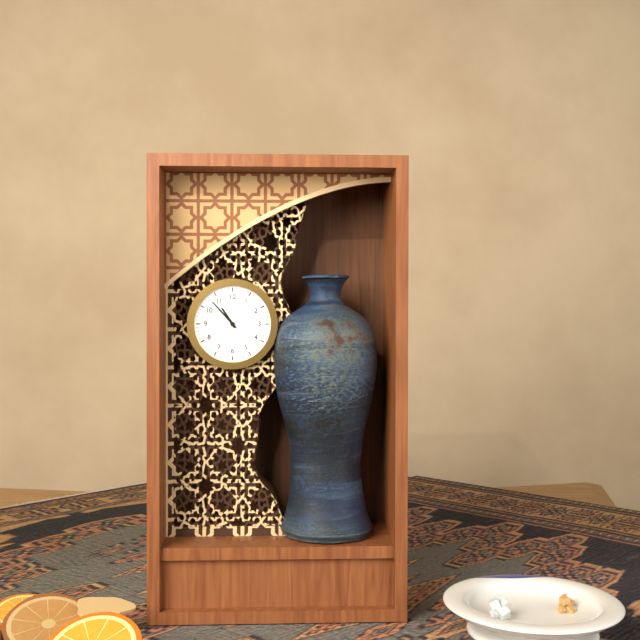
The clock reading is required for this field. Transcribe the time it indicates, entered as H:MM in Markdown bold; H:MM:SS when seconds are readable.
**10:53**
